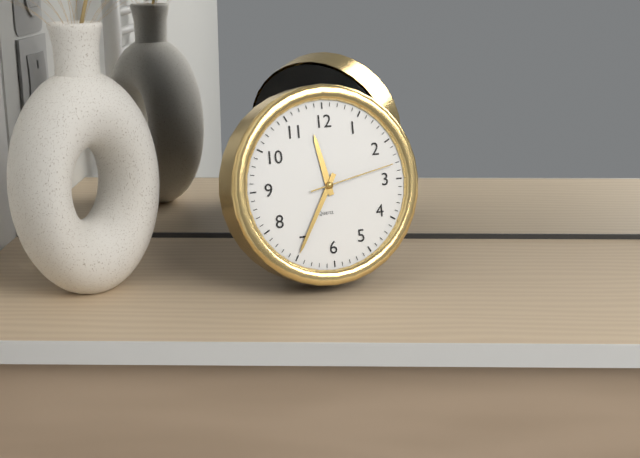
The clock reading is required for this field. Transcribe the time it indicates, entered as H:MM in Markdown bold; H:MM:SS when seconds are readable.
**11:35:13**
